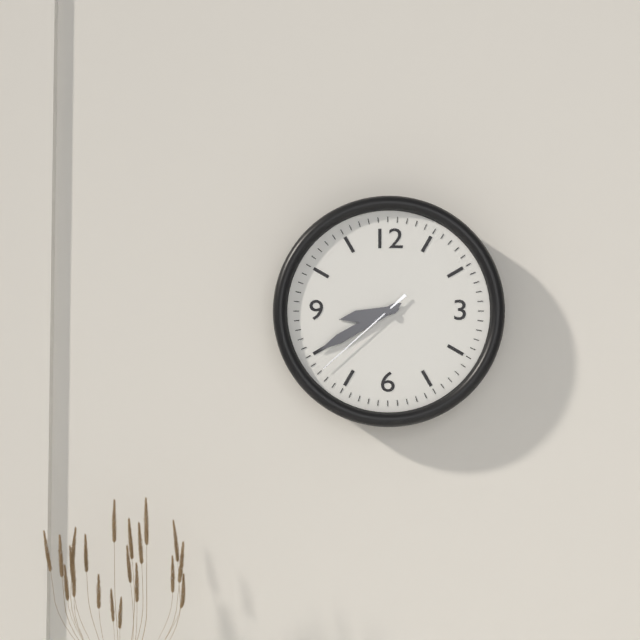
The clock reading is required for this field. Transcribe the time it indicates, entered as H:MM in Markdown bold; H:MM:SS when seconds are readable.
**8:40:38**
